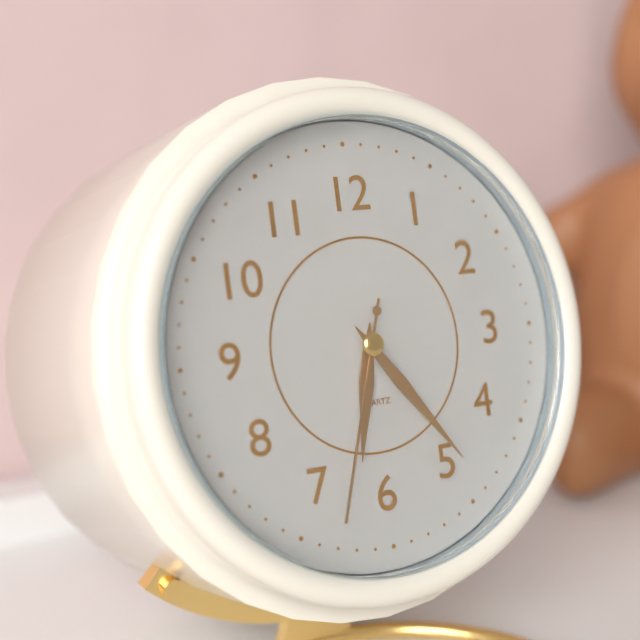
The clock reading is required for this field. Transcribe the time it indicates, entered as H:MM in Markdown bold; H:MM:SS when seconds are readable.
**6:24:33**
